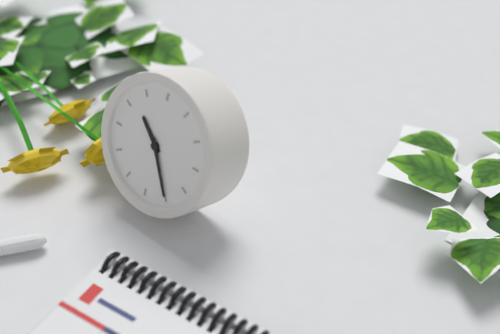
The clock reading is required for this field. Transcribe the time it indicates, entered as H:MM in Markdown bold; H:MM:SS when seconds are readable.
**10:25**
